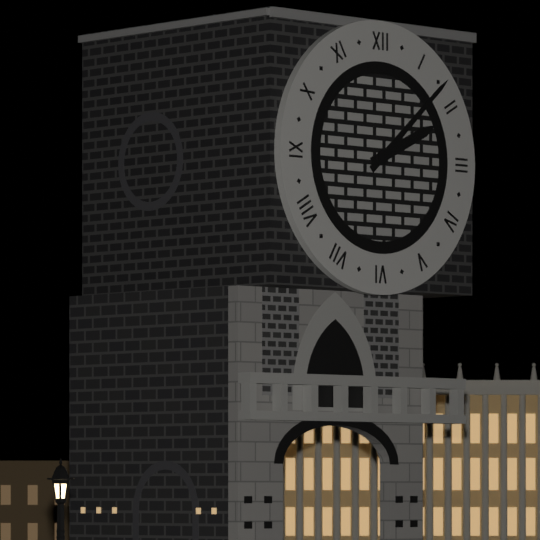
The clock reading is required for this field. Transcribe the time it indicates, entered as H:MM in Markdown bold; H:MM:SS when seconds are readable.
**2:08**
